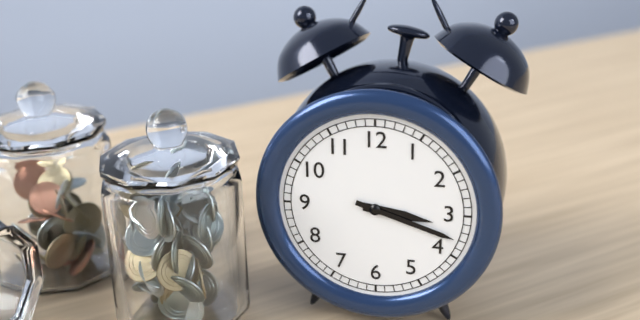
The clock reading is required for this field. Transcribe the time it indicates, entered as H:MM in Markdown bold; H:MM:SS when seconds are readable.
**3:18**
